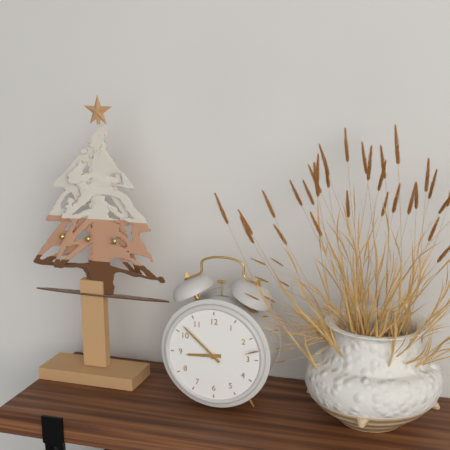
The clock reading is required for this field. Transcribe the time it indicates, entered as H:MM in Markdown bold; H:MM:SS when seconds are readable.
**8:52**
